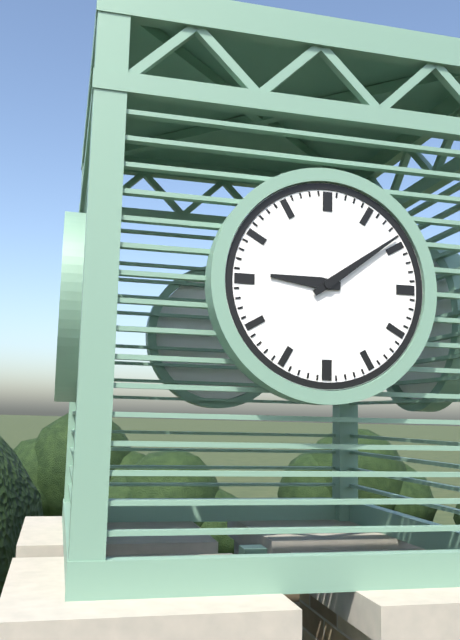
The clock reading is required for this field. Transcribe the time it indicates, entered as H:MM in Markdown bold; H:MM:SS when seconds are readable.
**9:09**
